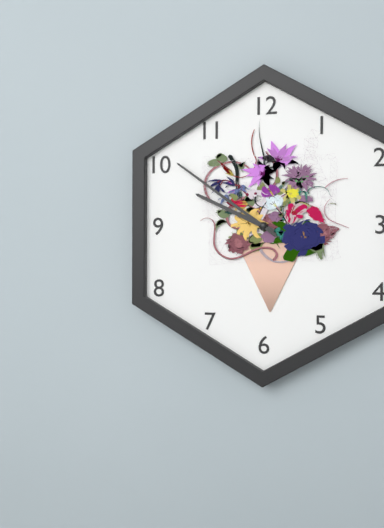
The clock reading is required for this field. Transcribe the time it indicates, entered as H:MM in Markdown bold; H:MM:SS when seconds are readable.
**9:51**
